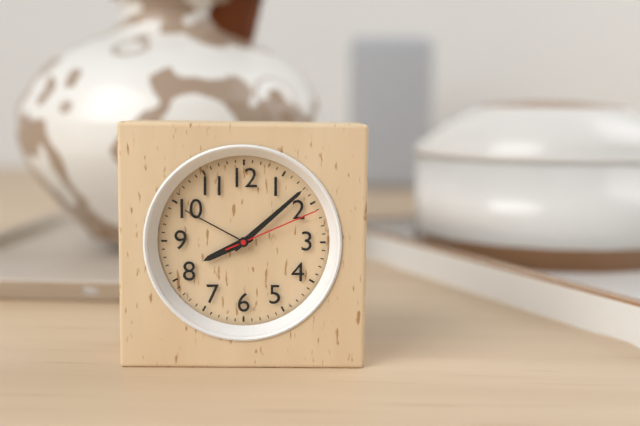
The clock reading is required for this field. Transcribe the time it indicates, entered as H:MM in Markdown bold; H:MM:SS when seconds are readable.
**8:08:11**
